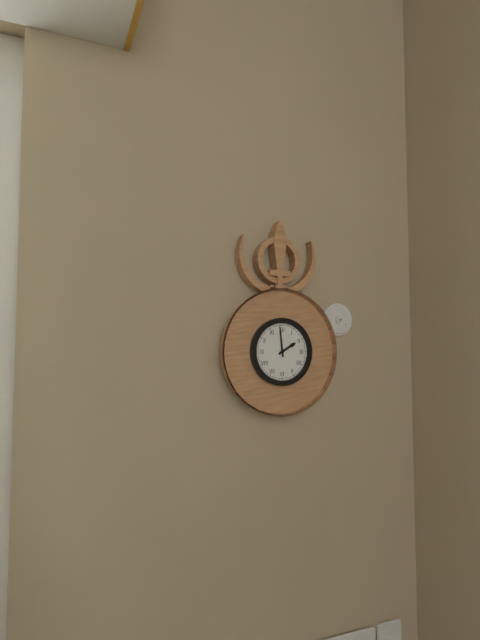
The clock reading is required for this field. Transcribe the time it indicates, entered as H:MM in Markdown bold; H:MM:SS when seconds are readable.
**1:59**
